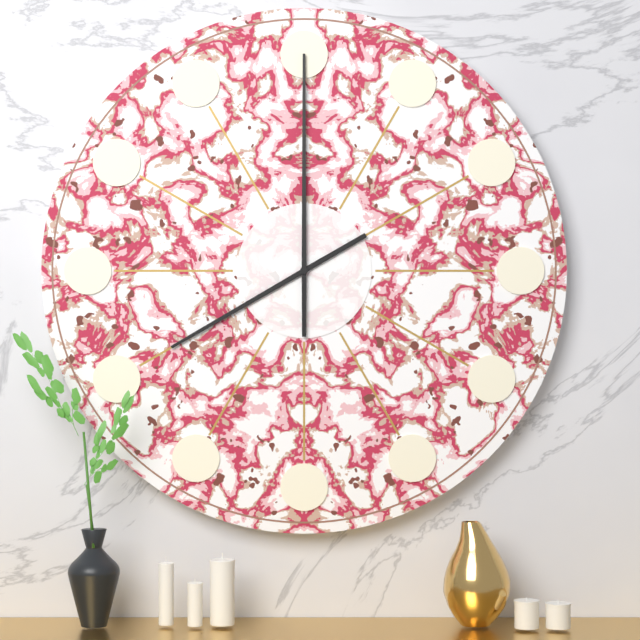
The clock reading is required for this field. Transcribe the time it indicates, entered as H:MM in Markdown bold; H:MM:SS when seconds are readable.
**8:00**
